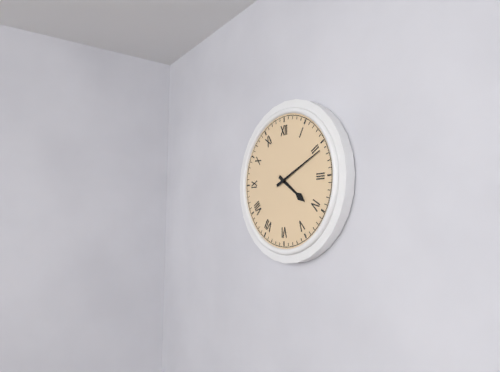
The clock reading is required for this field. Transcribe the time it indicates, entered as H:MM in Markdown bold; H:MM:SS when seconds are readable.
**4:11**
